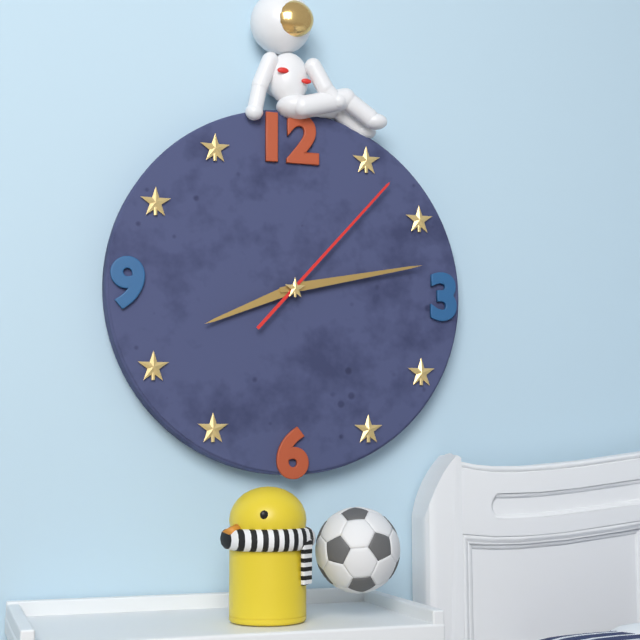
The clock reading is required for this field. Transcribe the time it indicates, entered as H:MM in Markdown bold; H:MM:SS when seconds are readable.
**8:13:07**
